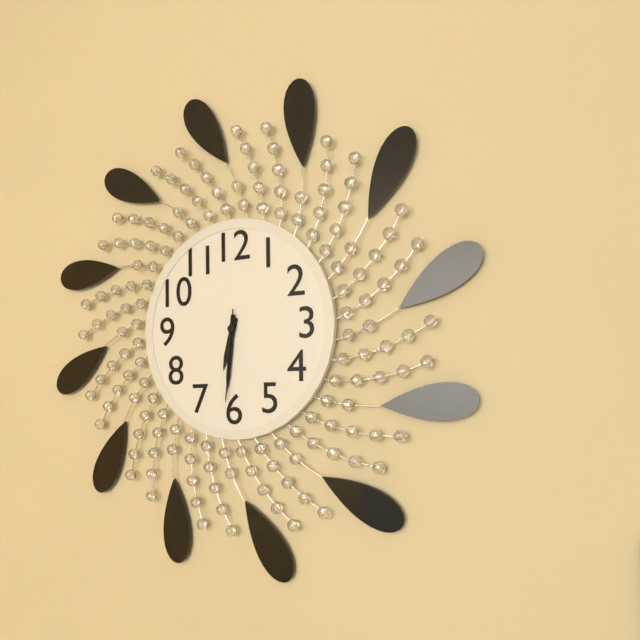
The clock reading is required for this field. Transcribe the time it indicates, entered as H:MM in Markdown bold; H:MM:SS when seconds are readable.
**6:31:31**
